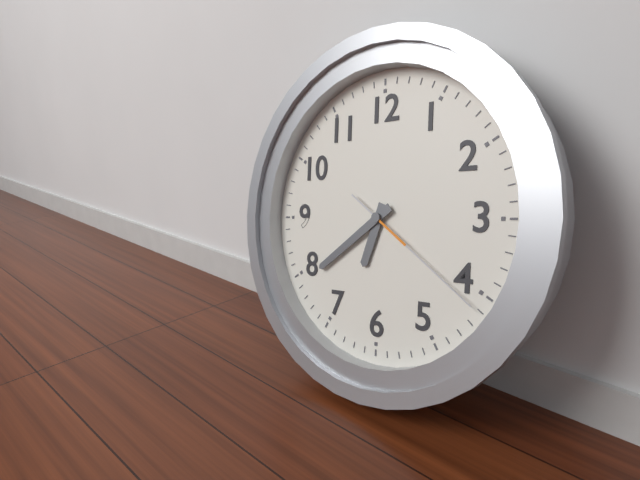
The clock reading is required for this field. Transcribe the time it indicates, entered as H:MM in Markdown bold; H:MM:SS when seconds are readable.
**6:39:21**
